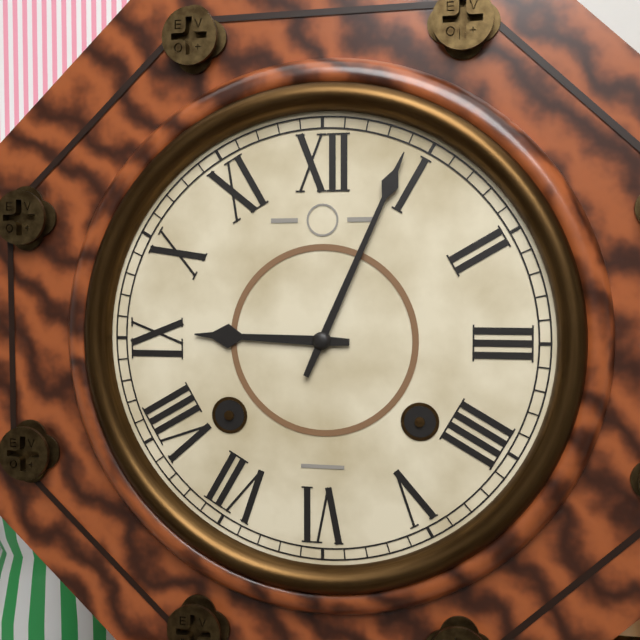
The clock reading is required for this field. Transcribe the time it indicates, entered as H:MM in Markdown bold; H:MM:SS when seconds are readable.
**9:04**
